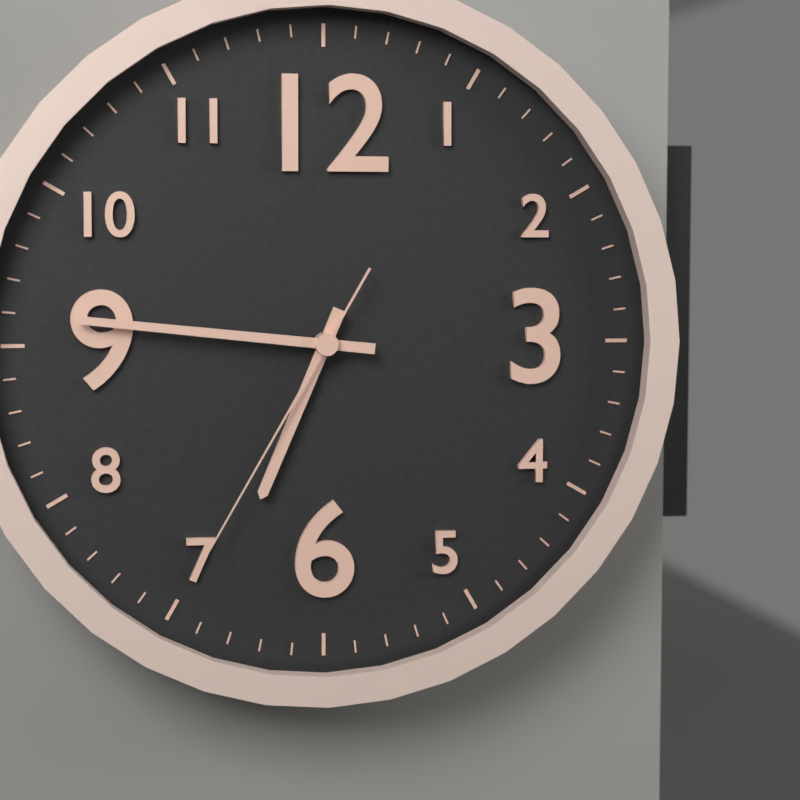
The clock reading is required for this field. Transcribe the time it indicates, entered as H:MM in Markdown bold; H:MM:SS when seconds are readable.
**6:46:35**
